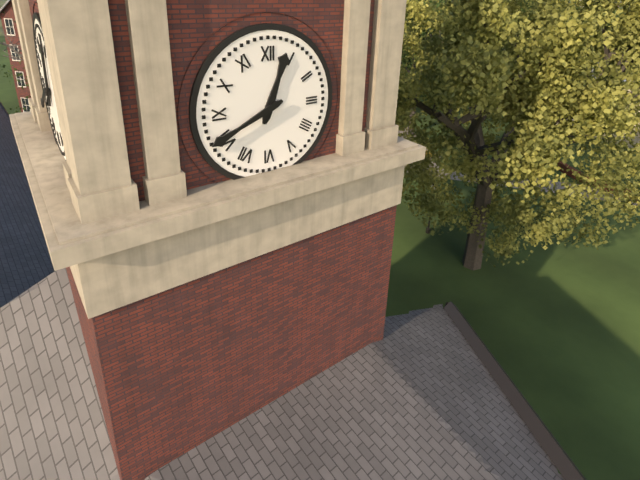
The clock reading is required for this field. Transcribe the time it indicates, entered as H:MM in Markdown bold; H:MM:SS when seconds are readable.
**12:41**
